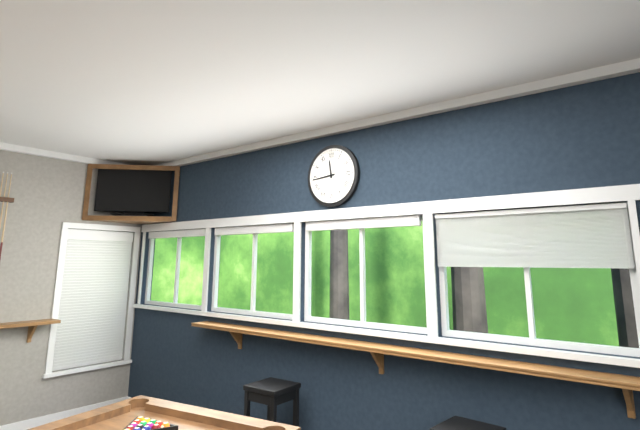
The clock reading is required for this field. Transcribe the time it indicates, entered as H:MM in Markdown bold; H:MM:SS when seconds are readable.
**11:44**
